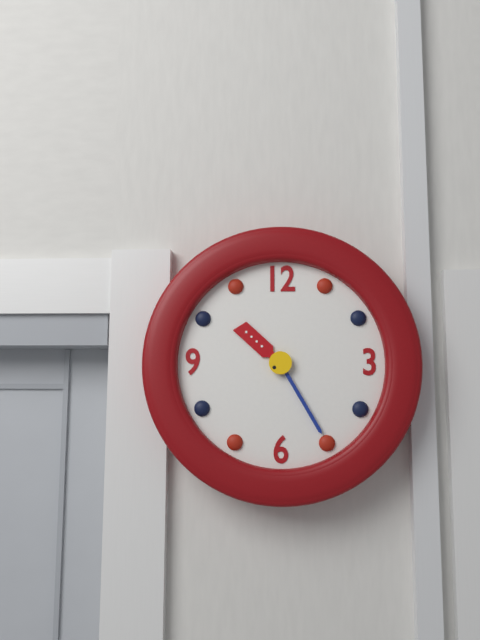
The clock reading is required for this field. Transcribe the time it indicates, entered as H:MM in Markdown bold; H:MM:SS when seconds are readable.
**10:25**
